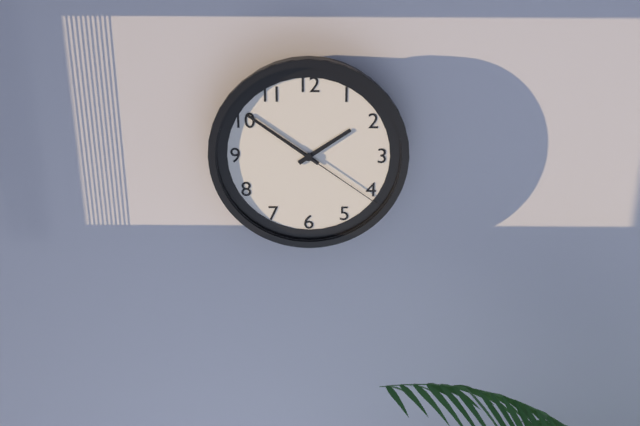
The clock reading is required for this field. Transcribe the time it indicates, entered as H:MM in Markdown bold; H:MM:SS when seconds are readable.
**1:51:21**
